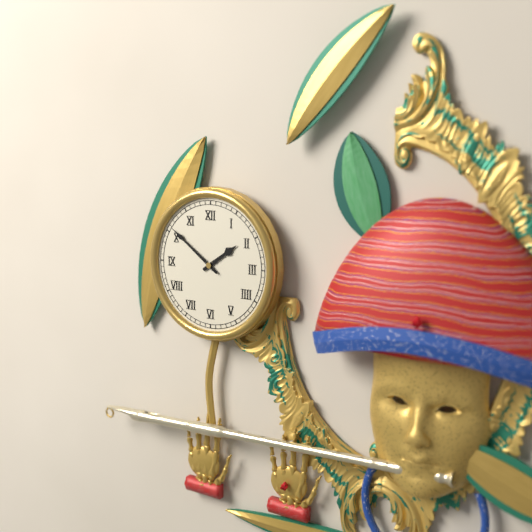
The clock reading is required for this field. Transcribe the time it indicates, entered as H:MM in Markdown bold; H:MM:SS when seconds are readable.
**1:51**
